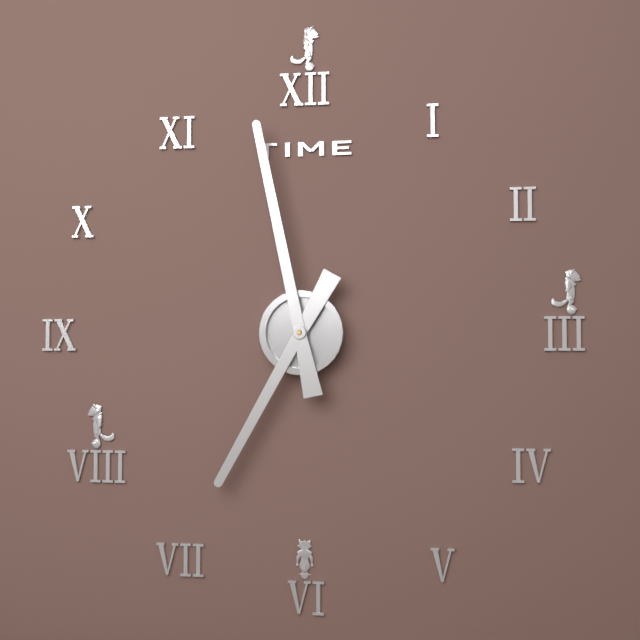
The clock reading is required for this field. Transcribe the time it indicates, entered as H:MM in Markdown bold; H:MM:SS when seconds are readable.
**6:58**
